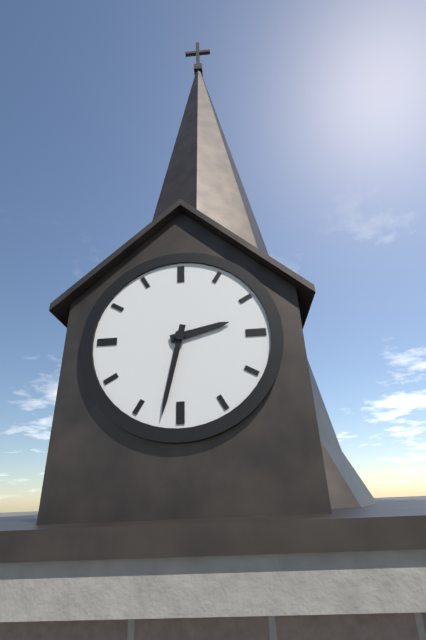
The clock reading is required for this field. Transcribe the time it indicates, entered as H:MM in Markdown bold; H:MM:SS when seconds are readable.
**2:32**
